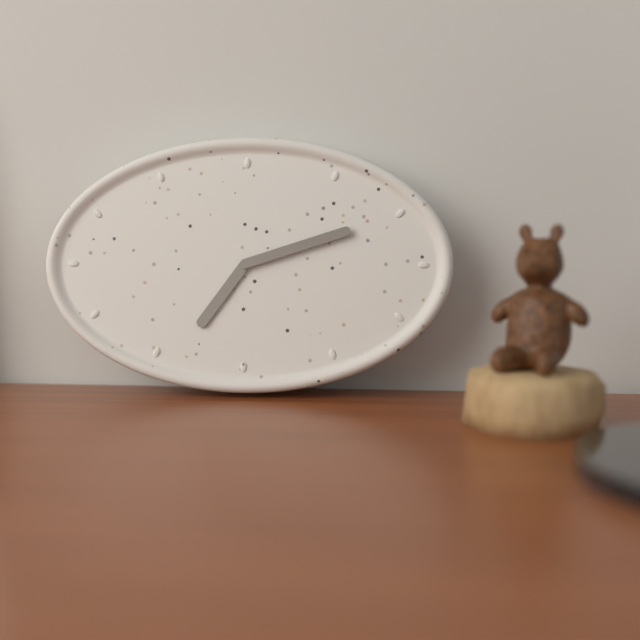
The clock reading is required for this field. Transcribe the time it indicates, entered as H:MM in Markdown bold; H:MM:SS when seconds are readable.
**7:12**
